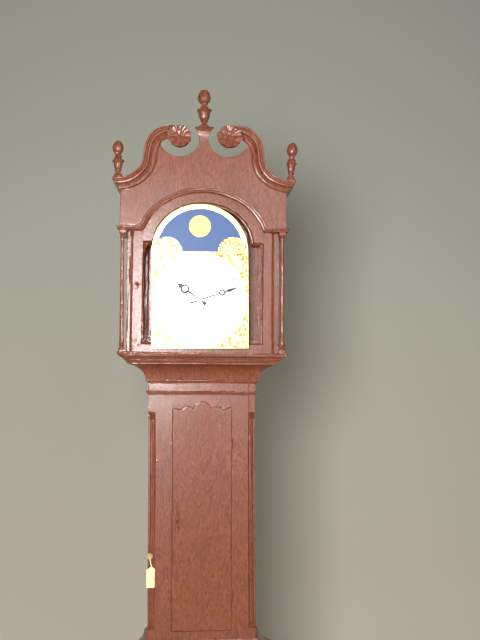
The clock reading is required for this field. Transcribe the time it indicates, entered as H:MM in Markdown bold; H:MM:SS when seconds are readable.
**10:12**
